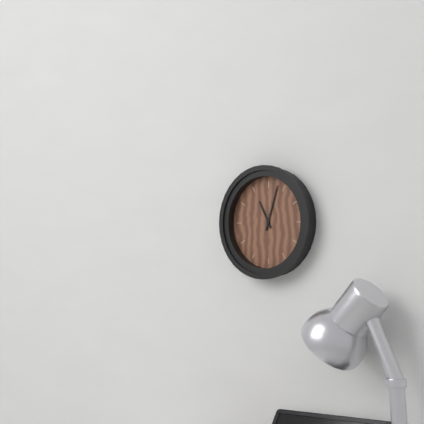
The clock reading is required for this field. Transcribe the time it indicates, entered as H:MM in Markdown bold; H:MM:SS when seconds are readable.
**11:03**
